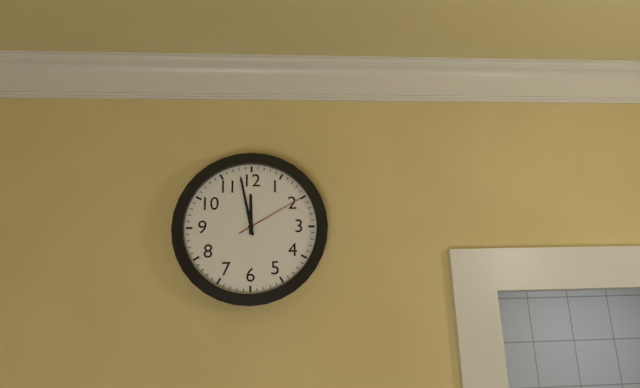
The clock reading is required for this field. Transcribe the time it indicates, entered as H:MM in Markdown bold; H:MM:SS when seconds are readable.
**11:58:10**
